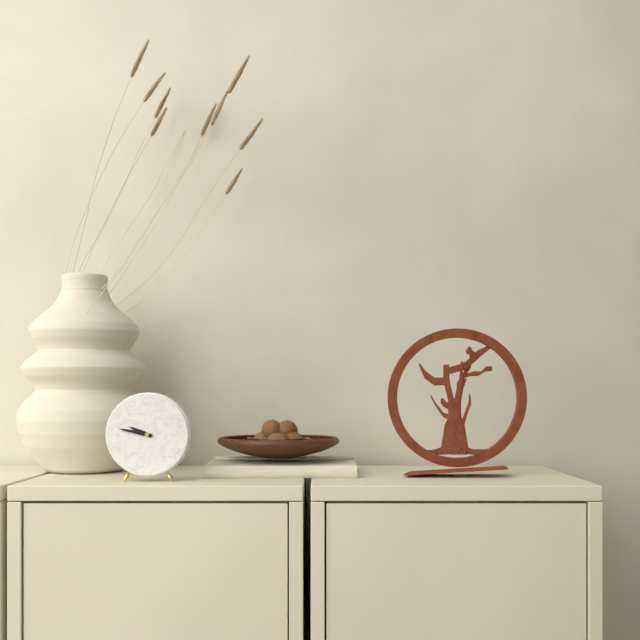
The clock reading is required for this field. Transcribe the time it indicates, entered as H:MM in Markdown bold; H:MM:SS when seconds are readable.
**9:47**
